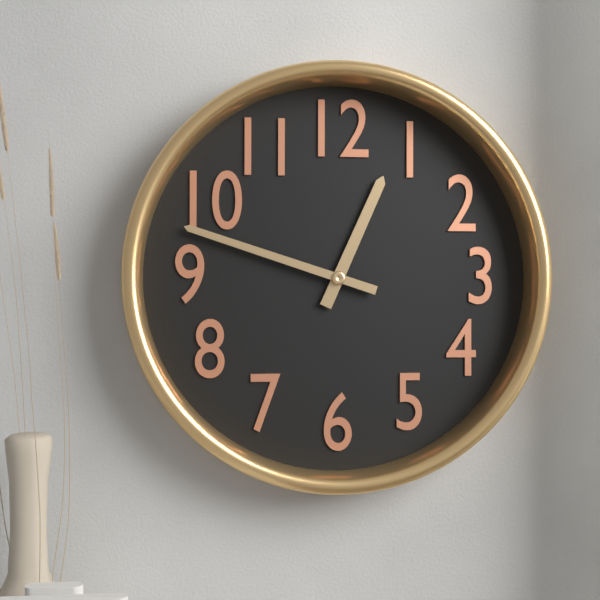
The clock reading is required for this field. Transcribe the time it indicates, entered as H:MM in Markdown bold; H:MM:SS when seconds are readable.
**12:48**
